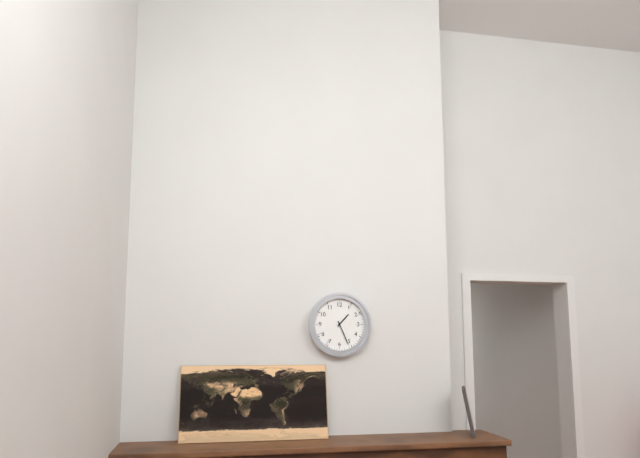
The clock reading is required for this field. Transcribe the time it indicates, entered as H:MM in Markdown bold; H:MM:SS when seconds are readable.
**1:26**
